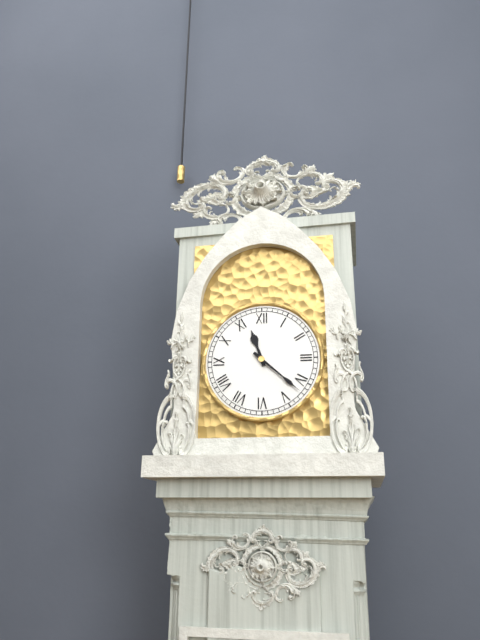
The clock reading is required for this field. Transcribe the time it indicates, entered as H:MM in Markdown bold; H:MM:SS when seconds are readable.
**11:22**
